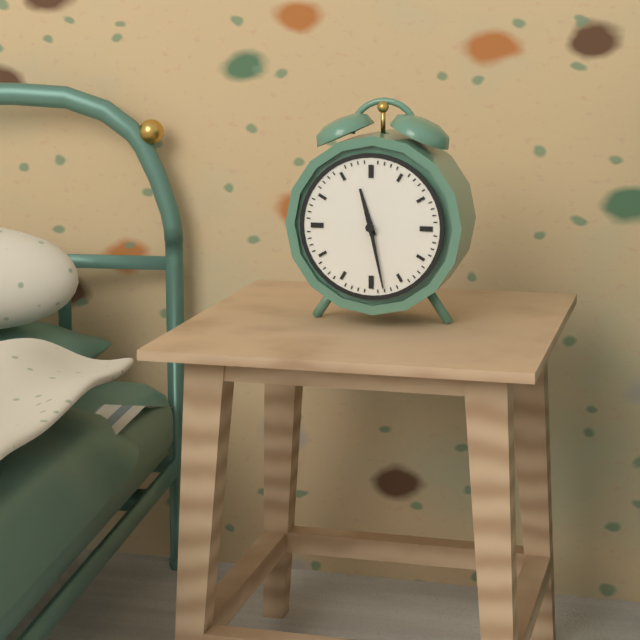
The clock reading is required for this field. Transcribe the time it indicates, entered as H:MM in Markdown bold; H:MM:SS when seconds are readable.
**11:28**
